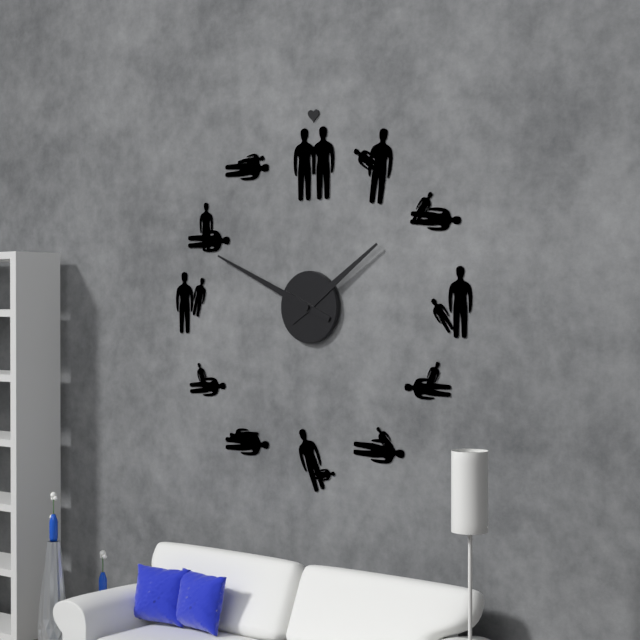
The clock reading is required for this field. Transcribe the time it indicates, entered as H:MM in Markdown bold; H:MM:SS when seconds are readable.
**1:49**
